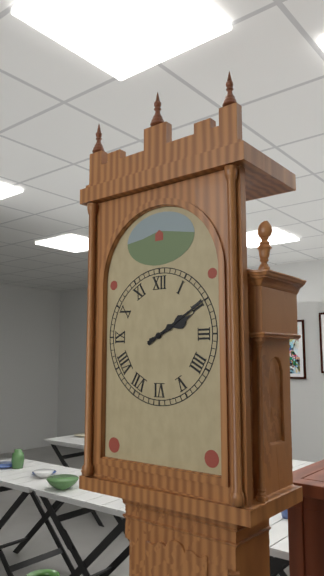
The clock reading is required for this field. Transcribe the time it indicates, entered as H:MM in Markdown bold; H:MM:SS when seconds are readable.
**2:10**
